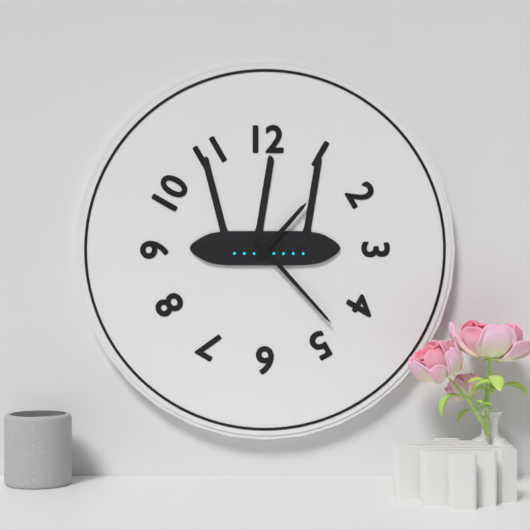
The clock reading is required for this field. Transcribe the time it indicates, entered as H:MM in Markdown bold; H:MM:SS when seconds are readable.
**1:23**
